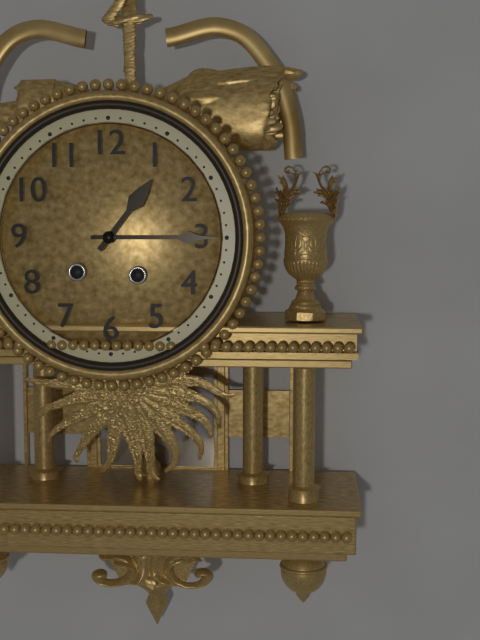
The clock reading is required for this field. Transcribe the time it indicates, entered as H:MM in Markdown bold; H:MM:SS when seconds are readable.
**1:15**
